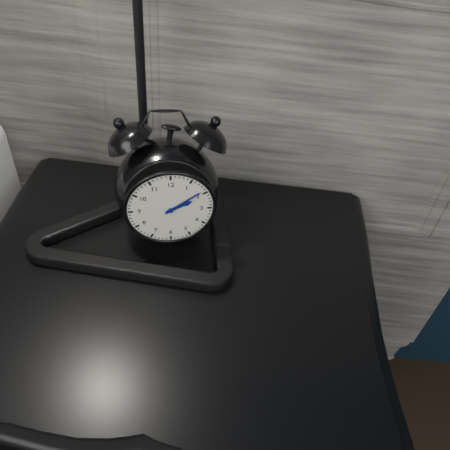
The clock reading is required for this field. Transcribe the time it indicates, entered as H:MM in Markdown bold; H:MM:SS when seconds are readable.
**2:09**
